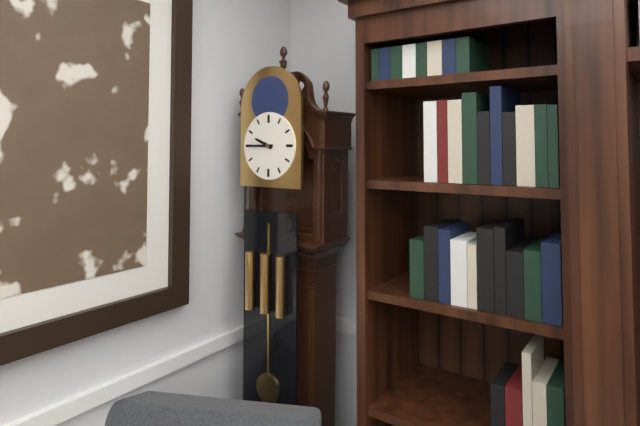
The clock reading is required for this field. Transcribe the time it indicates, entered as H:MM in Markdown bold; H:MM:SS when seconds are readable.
**9:45**
